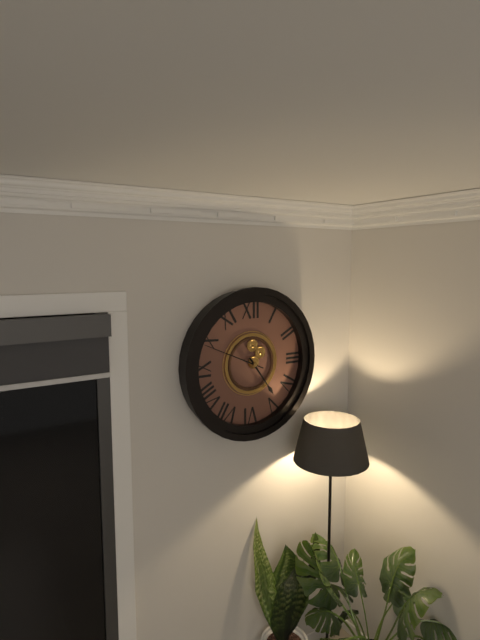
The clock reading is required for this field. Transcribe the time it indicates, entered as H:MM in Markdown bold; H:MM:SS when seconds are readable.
**4:49**
